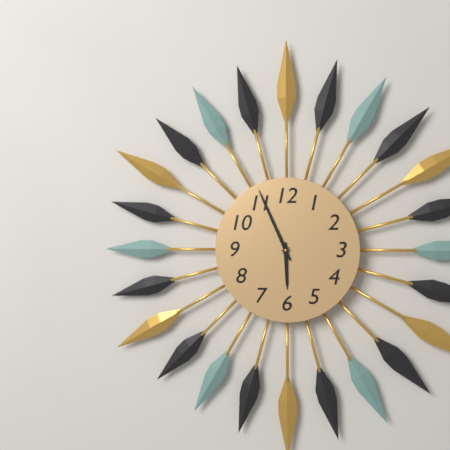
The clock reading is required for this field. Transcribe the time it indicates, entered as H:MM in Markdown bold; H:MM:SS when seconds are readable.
**5:56**
